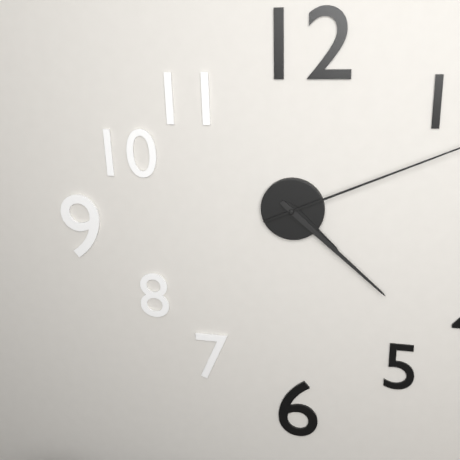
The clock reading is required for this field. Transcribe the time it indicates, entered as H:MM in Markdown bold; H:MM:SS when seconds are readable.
**4:22**
